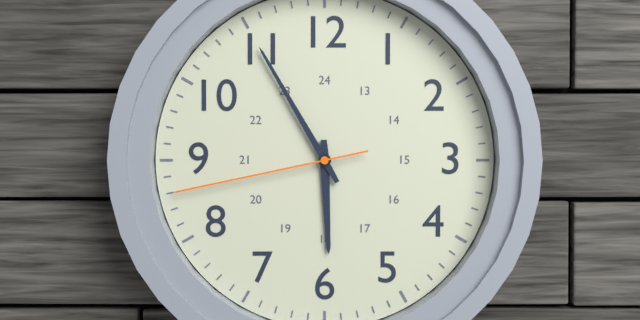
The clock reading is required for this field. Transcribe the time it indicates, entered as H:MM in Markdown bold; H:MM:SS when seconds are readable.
**5:55:43**
